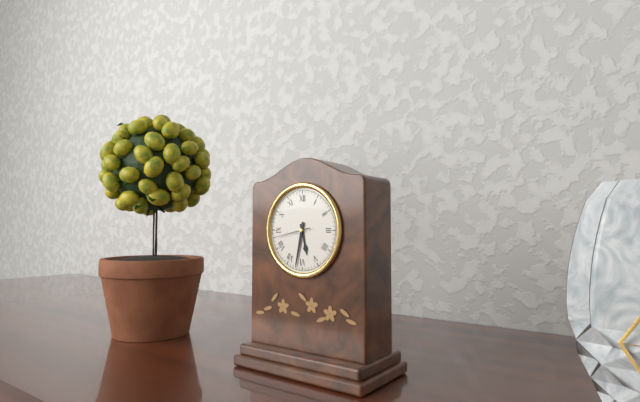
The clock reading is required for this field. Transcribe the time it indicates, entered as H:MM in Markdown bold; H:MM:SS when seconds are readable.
**5:32**
